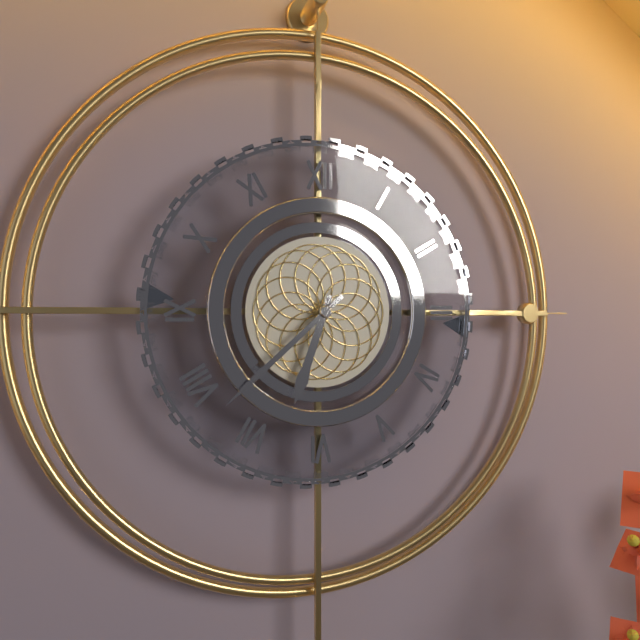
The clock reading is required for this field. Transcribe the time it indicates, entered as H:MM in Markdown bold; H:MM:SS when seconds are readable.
**6:38**
